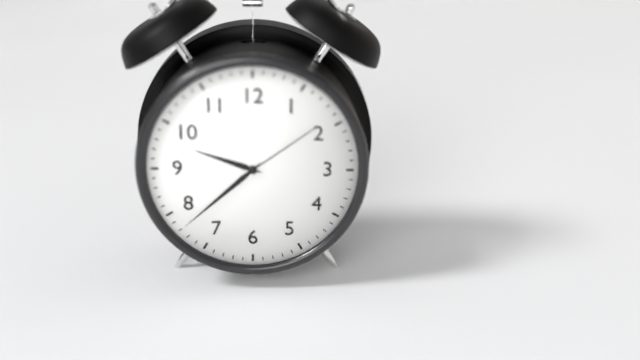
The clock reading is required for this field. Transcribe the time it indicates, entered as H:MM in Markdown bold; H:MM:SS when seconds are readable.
**9:38:09**
